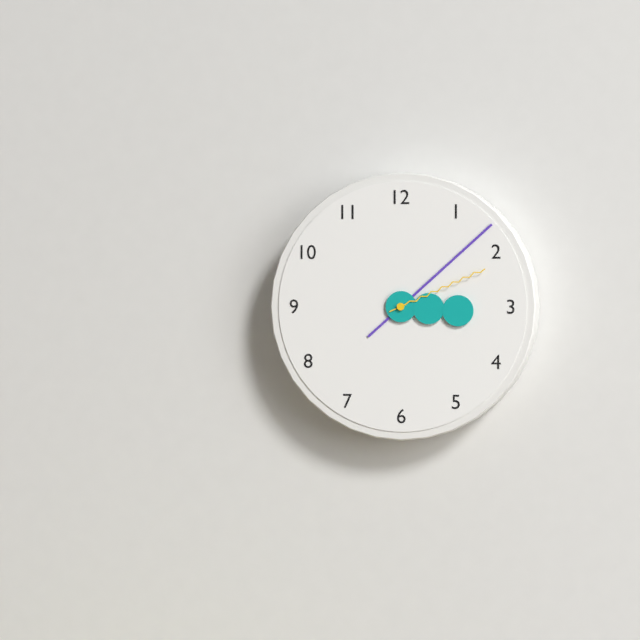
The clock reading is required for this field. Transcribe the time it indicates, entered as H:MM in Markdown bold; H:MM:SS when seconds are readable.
**3:08:11**
